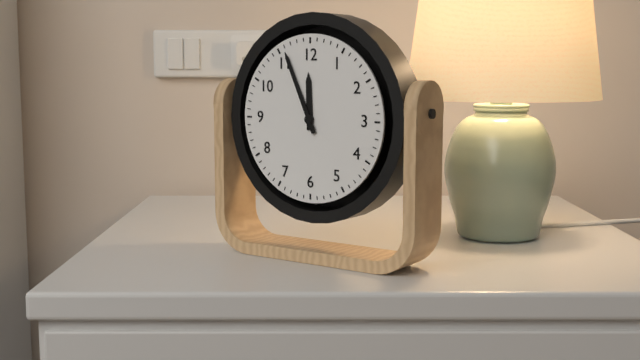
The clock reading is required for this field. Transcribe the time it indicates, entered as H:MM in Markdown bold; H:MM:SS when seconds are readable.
**11:56**
